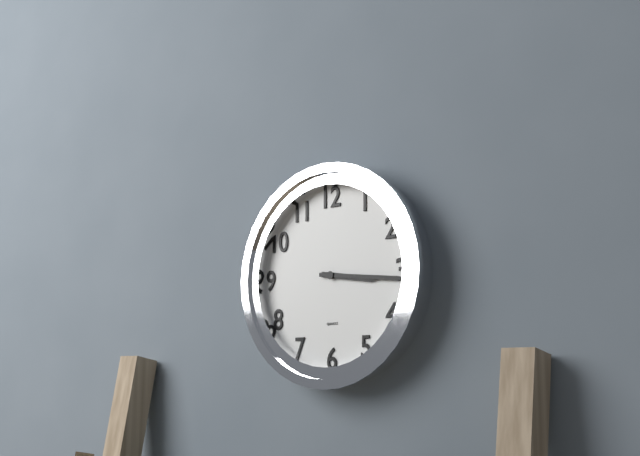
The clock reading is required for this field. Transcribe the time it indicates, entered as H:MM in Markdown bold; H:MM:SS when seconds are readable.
**3:16**
